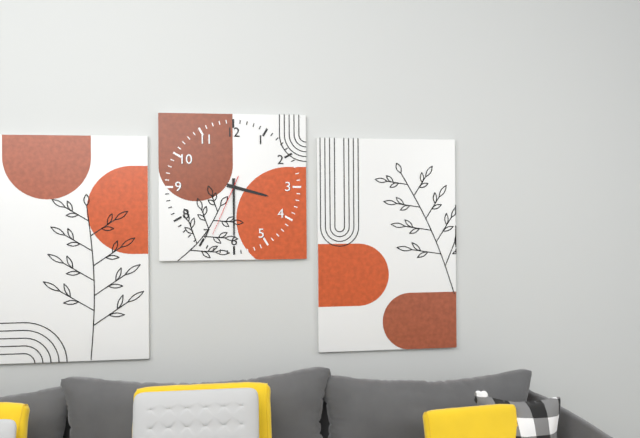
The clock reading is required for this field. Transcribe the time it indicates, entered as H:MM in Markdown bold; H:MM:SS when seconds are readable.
**3:30:34**
